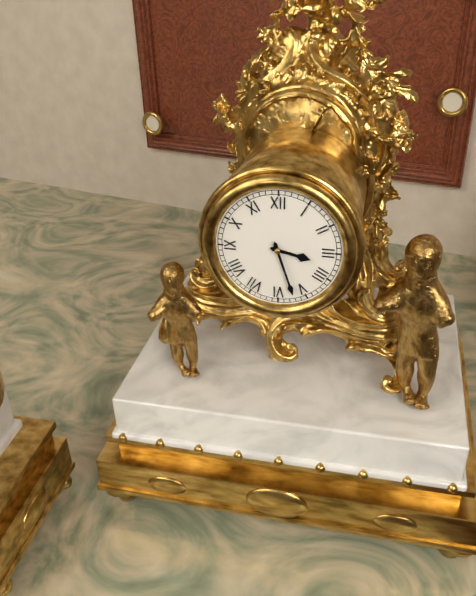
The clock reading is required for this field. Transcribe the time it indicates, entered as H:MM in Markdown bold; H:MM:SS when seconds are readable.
**3:27**
